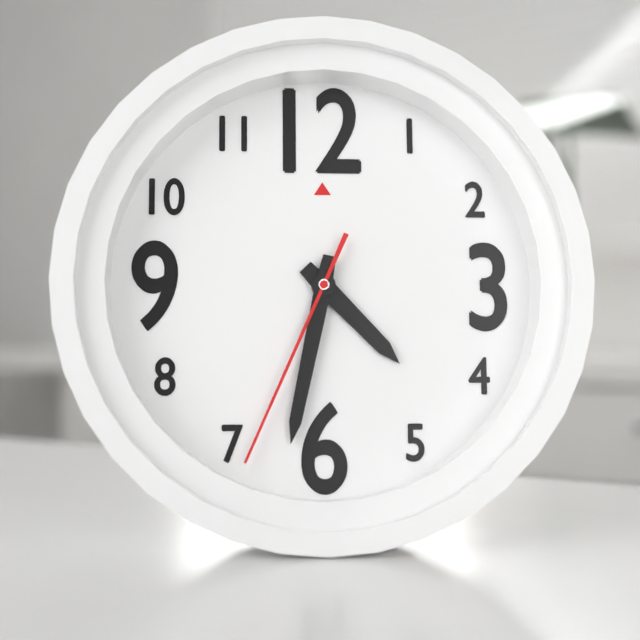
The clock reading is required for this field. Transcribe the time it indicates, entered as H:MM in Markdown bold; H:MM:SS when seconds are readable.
**4:32:34**
